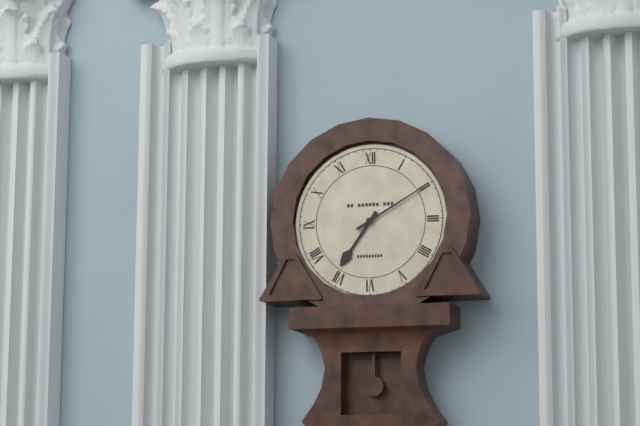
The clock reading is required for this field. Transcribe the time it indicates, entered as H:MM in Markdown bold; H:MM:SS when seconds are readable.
**7:10**
